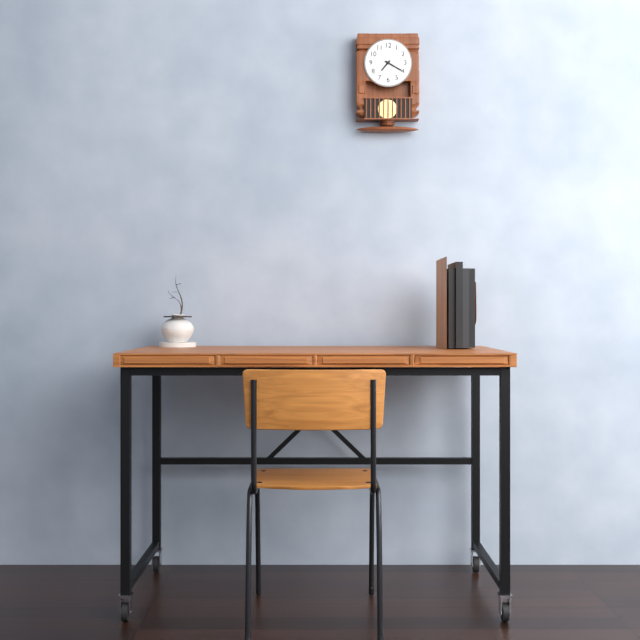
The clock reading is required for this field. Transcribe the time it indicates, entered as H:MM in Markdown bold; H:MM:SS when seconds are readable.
**7:20**
